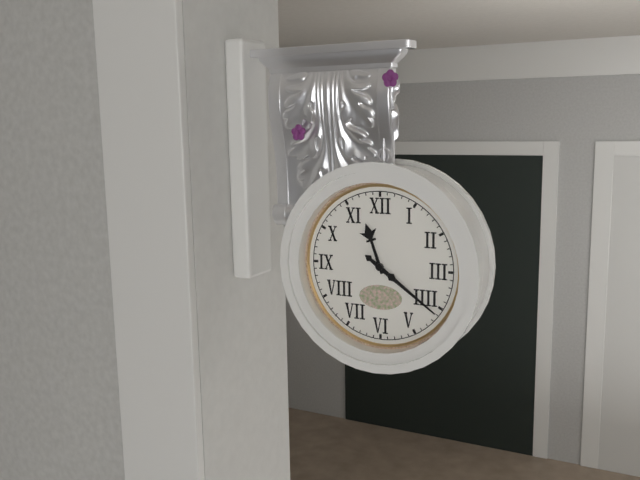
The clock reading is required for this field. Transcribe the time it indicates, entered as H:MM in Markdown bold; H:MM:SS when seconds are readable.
**11:21**
